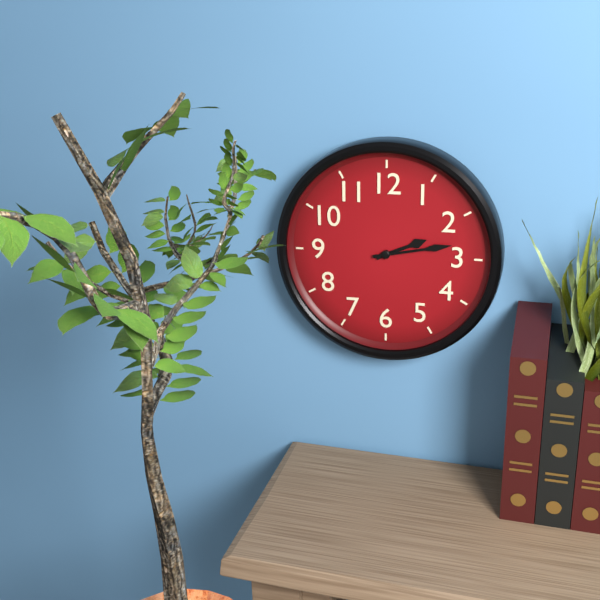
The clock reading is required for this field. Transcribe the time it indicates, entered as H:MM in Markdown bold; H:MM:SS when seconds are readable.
**2:13**
